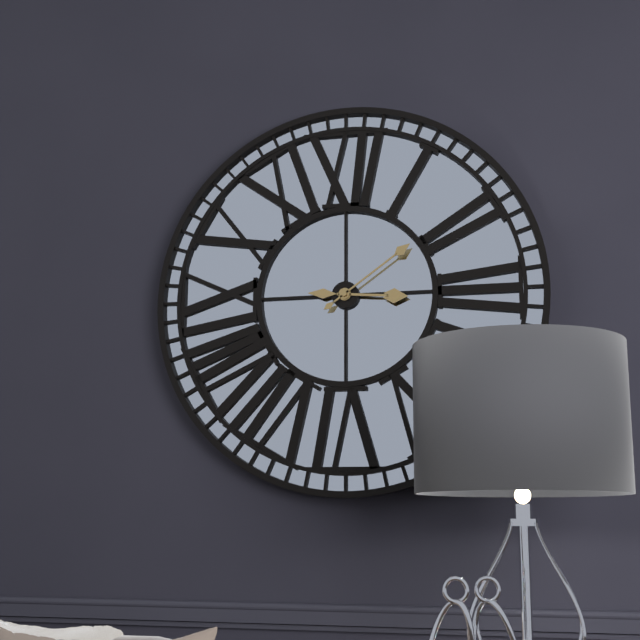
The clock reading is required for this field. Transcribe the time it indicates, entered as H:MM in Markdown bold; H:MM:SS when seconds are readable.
**3:09**
